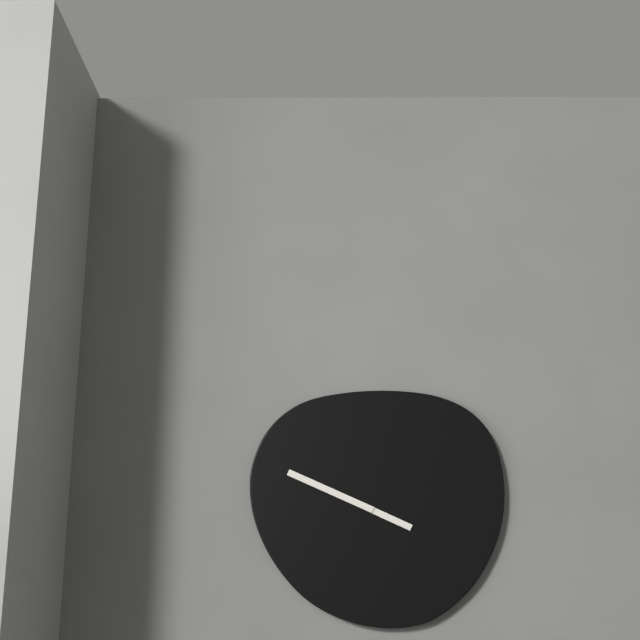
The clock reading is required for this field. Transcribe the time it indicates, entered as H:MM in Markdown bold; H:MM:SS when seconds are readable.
**3:49**
